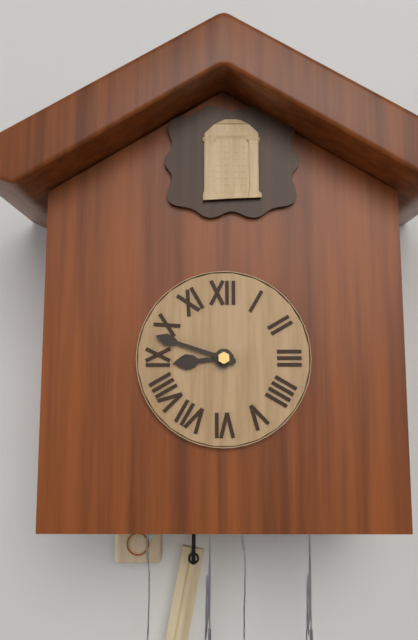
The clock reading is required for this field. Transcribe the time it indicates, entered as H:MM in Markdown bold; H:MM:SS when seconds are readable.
**8:48**
